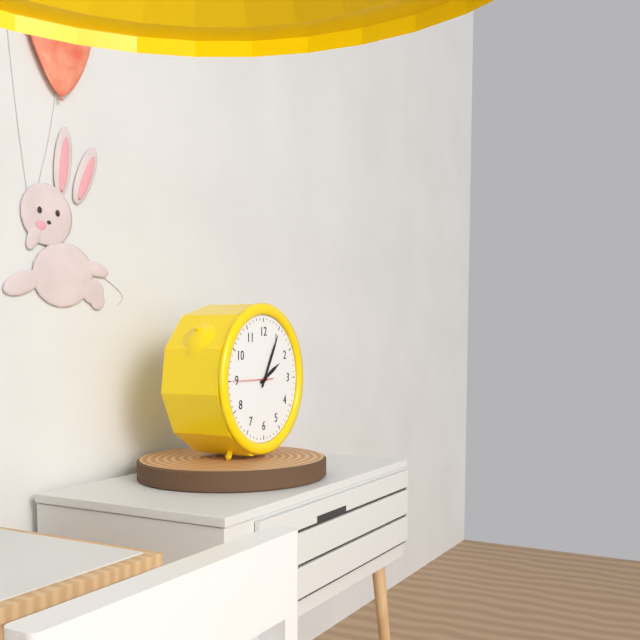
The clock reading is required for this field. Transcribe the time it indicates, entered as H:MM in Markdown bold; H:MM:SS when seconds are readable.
**2:05**
